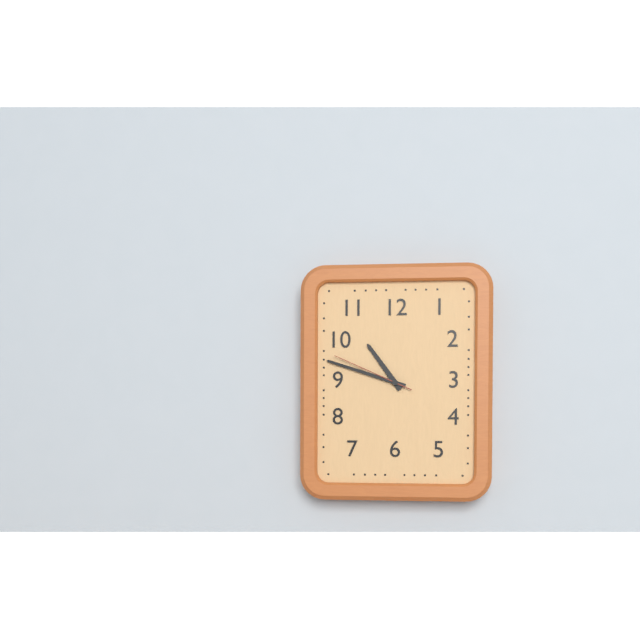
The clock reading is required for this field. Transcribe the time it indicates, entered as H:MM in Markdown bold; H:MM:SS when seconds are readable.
**10:48:49**
